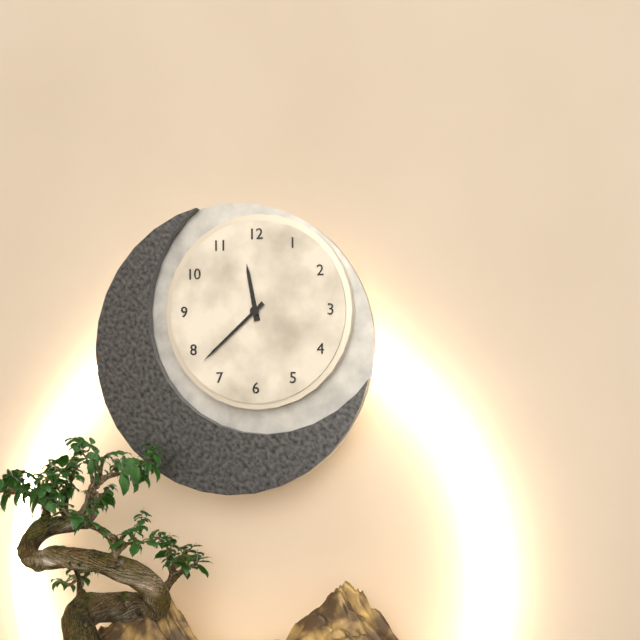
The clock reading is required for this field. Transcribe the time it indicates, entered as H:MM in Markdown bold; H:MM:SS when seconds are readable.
**11:38**
